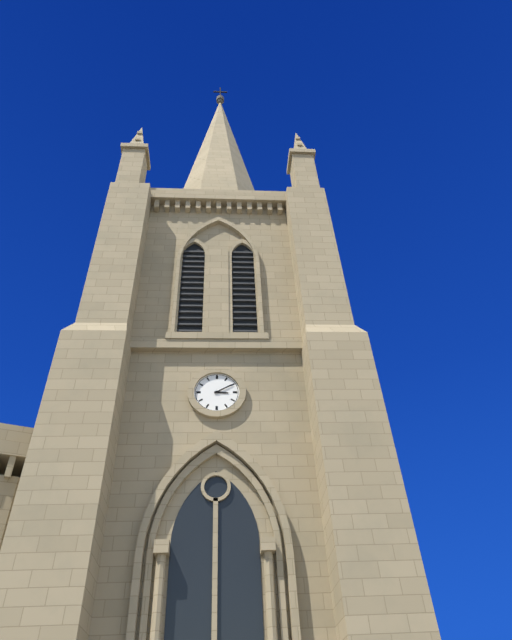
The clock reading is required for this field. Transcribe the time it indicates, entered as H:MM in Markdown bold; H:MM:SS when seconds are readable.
**3:10**
